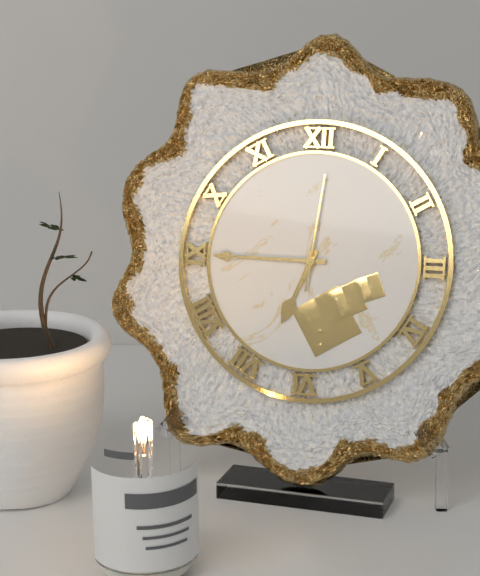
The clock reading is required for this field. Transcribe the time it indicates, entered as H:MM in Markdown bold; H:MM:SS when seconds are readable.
**6:45:01**
